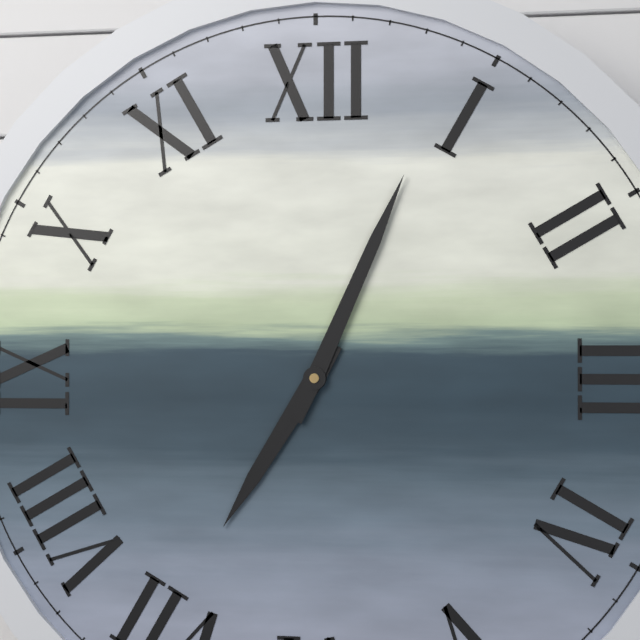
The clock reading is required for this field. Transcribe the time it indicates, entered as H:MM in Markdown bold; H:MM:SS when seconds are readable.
**7:04**
